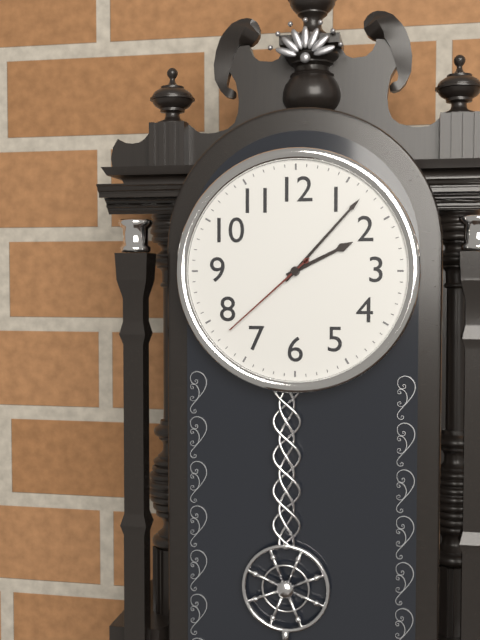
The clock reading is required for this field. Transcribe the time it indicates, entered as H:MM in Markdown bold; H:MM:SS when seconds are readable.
**2:07:38**
